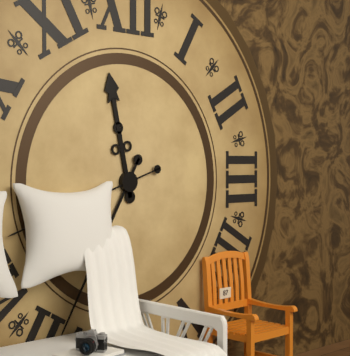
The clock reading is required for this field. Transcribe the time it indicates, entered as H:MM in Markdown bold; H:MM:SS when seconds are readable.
**11:35**
